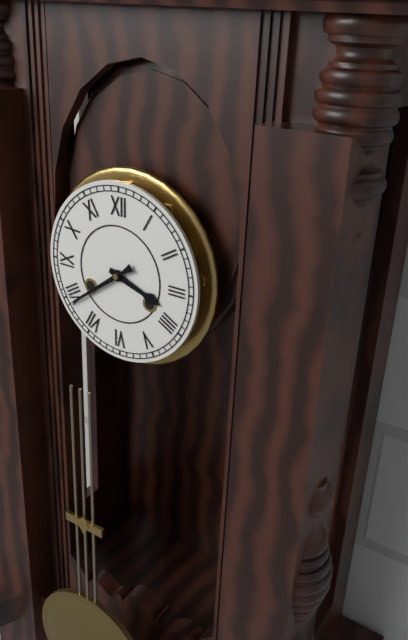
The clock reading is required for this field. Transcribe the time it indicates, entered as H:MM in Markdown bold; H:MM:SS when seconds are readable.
**3:39**
